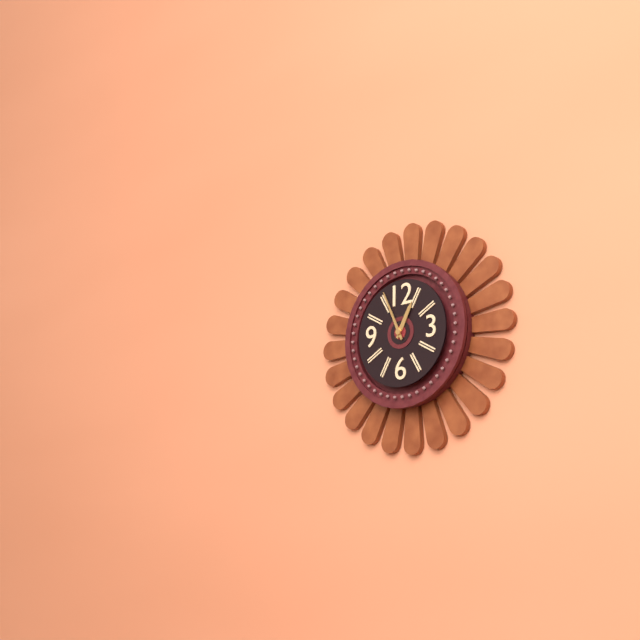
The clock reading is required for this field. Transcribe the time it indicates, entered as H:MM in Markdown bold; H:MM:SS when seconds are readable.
**12:56**
